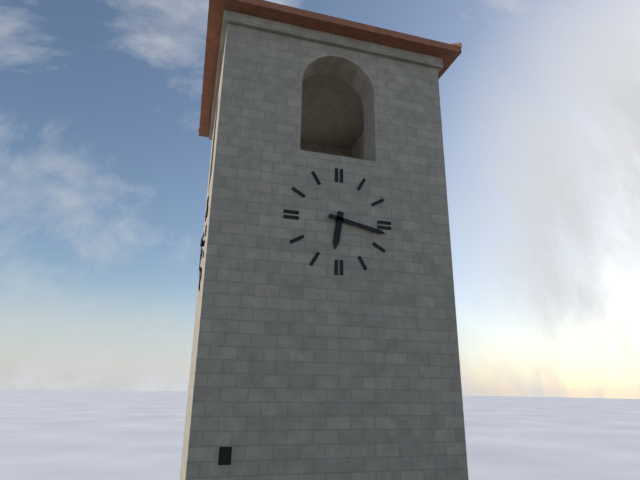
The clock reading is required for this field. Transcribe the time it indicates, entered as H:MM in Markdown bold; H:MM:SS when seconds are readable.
**6:17**
